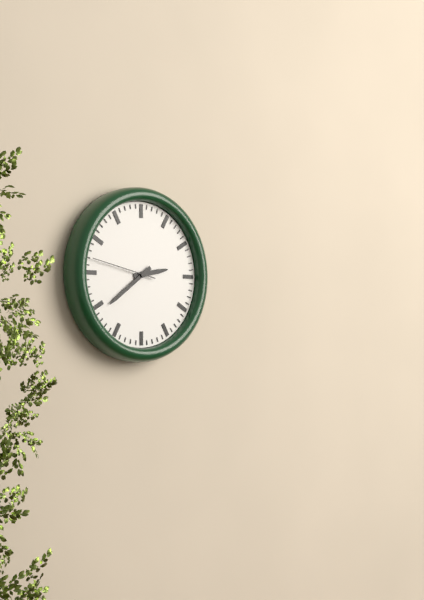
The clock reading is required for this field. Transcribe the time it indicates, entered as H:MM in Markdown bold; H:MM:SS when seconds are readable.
**2:39:47**
